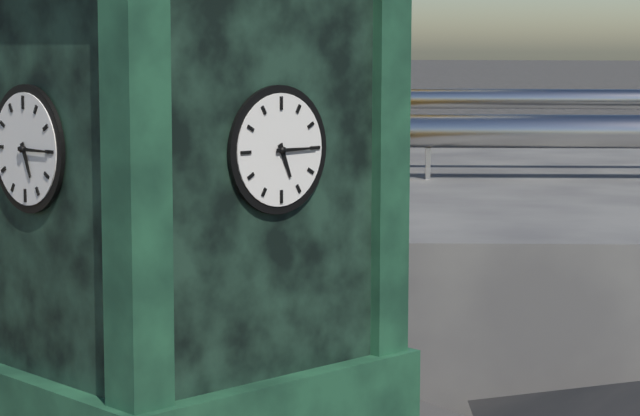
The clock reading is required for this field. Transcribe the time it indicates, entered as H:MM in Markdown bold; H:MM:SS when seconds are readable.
**5:15**
